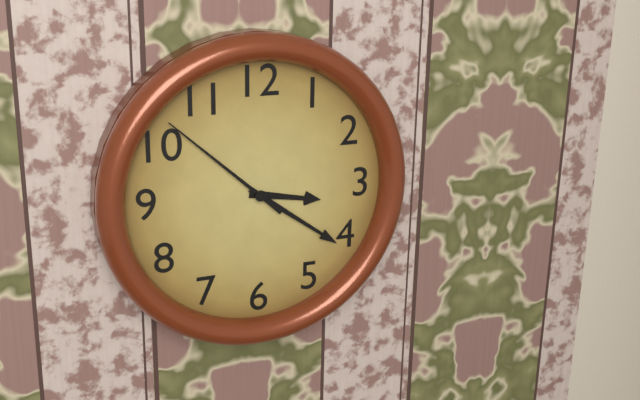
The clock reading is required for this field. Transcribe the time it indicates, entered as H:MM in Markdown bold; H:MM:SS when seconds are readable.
**3:21:52**
